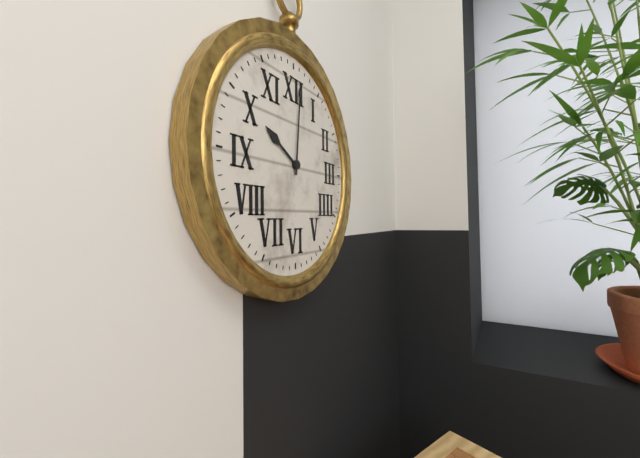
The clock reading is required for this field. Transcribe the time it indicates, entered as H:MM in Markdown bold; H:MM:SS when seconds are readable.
**10:01**
